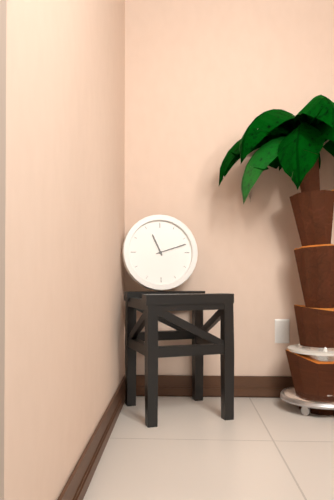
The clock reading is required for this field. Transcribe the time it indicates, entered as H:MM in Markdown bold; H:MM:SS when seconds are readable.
**11:12**
